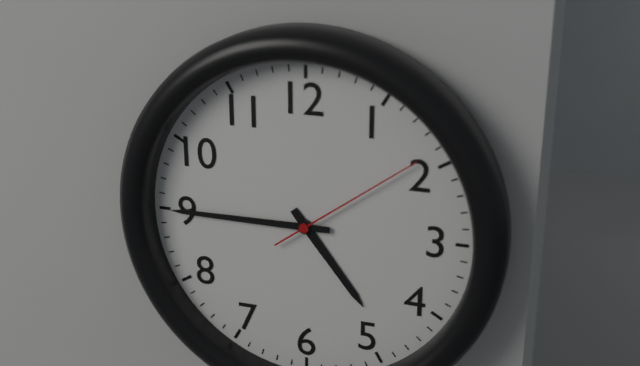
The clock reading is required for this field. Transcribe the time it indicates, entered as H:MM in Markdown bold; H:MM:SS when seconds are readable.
**4:45:09**
